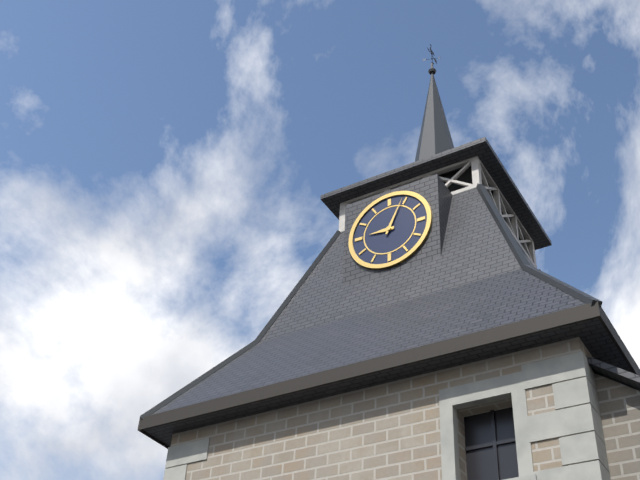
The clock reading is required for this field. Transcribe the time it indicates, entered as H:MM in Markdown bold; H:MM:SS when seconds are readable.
**9:04**
